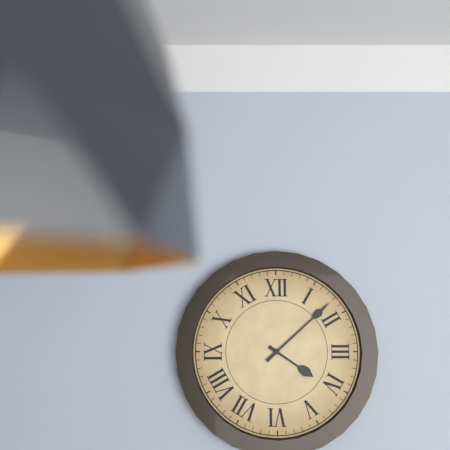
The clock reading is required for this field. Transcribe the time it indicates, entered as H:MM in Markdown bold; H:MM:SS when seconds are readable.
**4:08**
